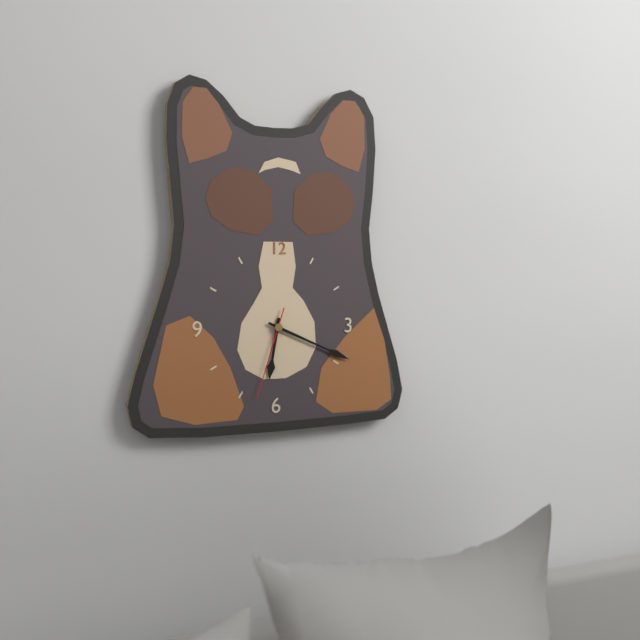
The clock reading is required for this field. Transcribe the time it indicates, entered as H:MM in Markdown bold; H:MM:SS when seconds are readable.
**6:19:33**
